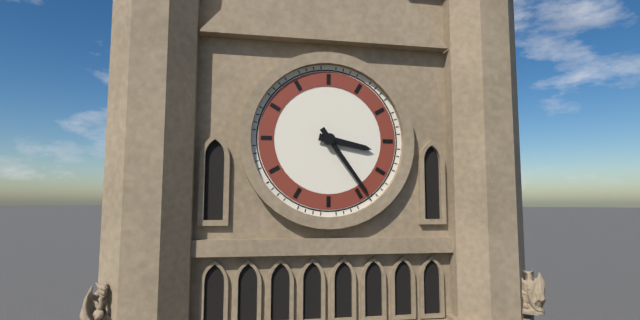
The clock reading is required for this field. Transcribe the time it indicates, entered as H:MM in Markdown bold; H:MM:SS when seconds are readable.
**3:24**
